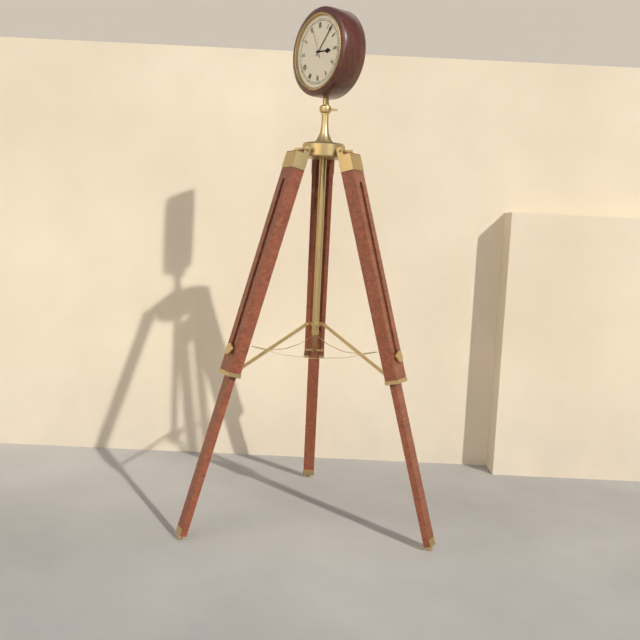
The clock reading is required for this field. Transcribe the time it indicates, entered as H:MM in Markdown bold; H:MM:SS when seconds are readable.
**3:07**
